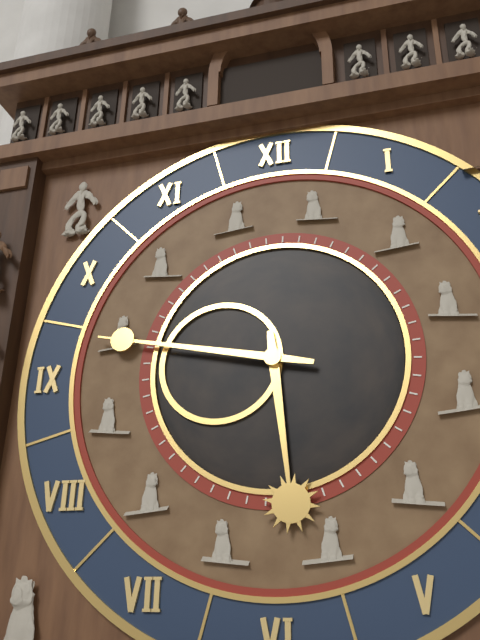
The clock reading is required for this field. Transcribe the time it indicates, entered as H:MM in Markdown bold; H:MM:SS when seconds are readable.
**5:47**
